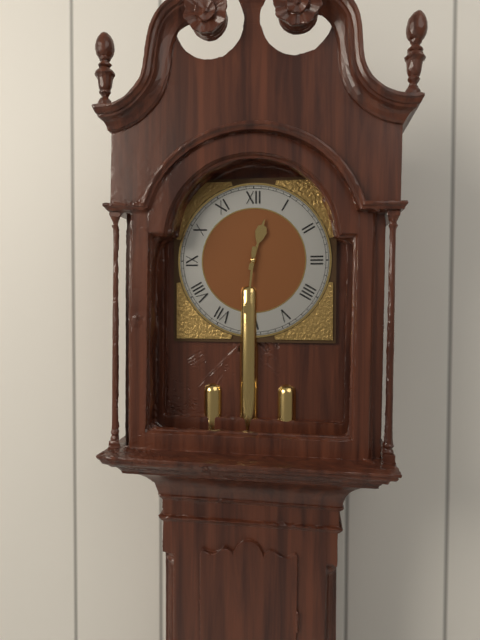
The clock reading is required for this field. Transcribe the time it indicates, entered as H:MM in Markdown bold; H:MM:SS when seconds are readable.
**12:31**
